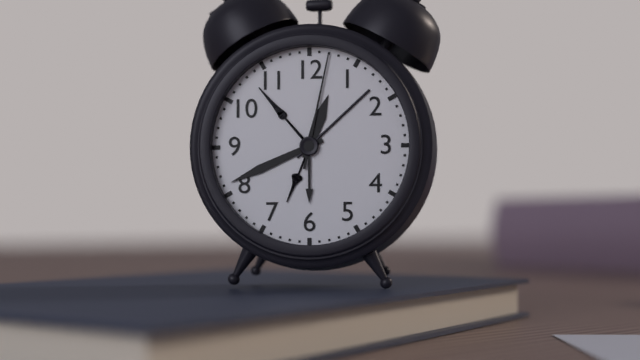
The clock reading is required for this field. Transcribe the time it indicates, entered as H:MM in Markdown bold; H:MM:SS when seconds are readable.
**12:41:02**
